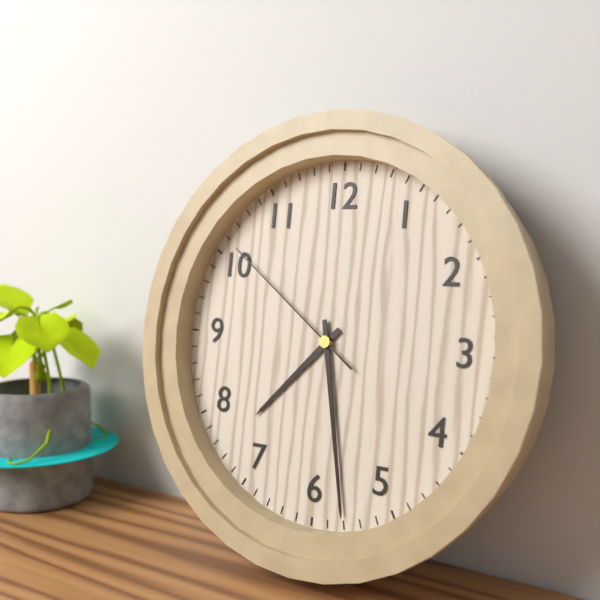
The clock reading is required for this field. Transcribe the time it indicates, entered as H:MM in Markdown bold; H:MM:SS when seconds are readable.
**7:28:51**
